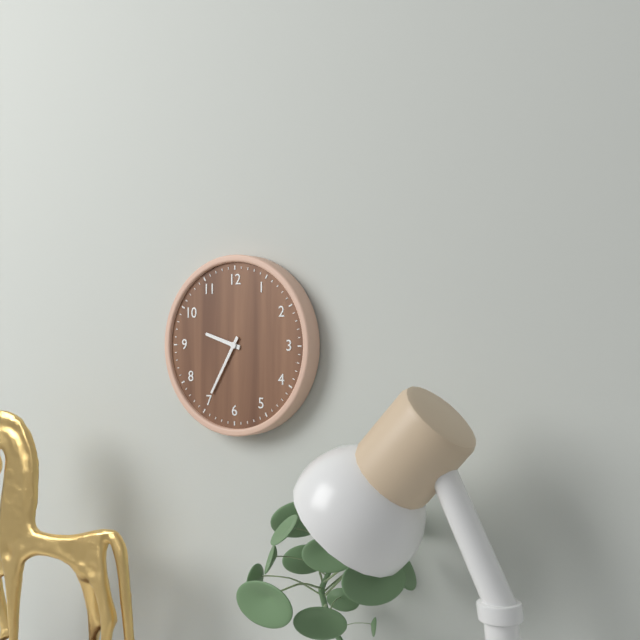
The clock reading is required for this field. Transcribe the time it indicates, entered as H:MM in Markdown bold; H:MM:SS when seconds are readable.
**9:35**
